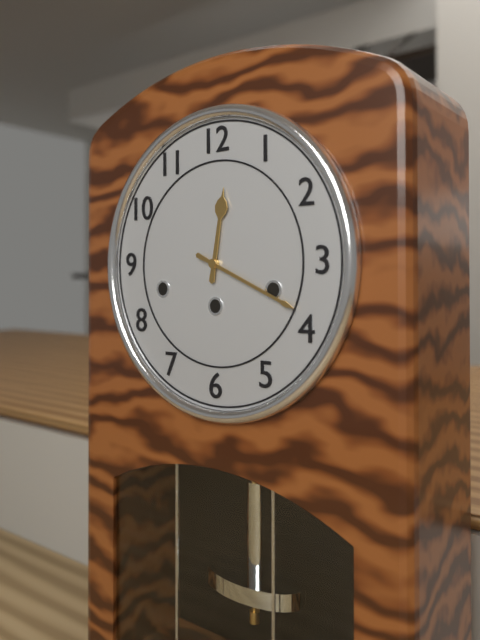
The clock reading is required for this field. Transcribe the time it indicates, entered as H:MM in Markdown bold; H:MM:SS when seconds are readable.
**12:19**
